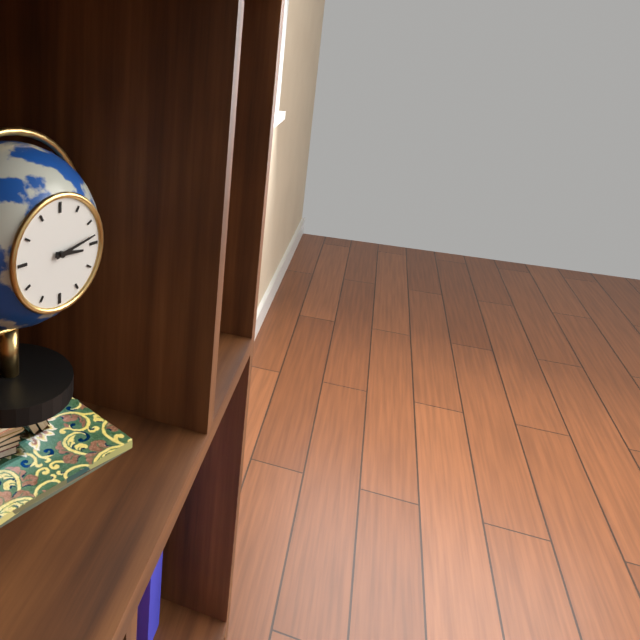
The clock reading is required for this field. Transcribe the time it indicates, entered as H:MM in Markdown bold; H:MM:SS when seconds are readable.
**3:13**
